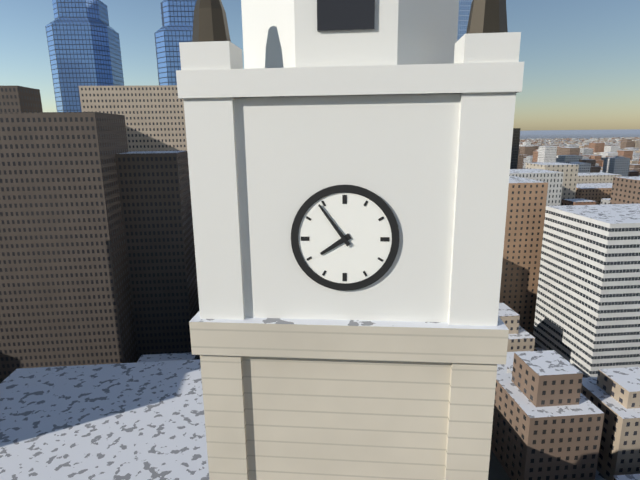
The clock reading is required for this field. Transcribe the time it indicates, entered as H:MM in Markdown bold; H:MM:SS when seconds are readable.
**7:54**
